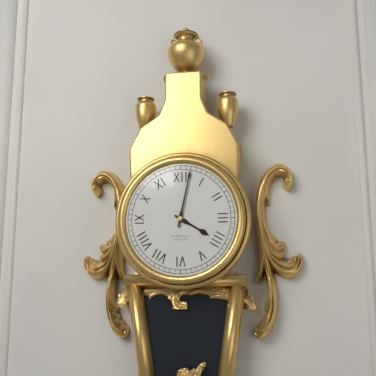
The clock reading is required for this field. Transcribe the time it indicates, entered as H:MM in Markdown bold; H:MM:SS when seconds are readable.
**4:02**
